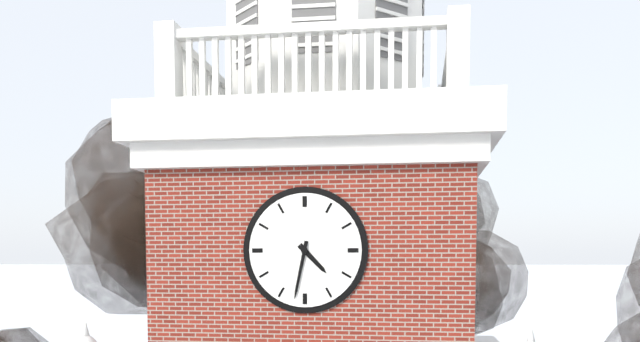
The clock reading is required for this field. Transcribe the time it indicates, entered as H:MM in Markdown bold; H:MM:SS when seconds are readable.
**4:32**
